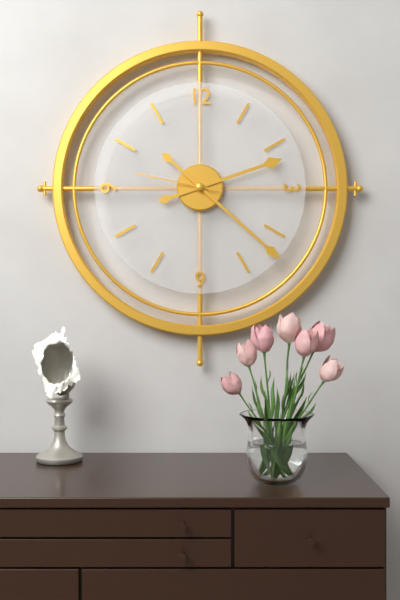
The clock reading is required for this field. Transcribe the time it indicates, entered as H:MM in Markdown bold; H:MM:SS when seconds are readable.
**2:22:47**
